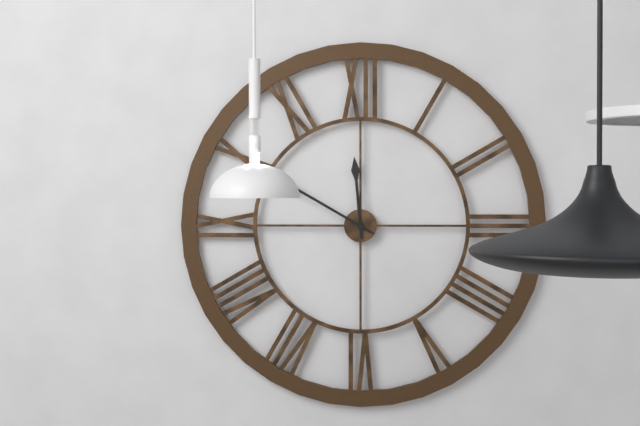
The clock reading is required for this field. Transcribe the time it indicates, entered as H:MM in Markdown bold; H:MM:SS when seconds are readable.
**11:50**
